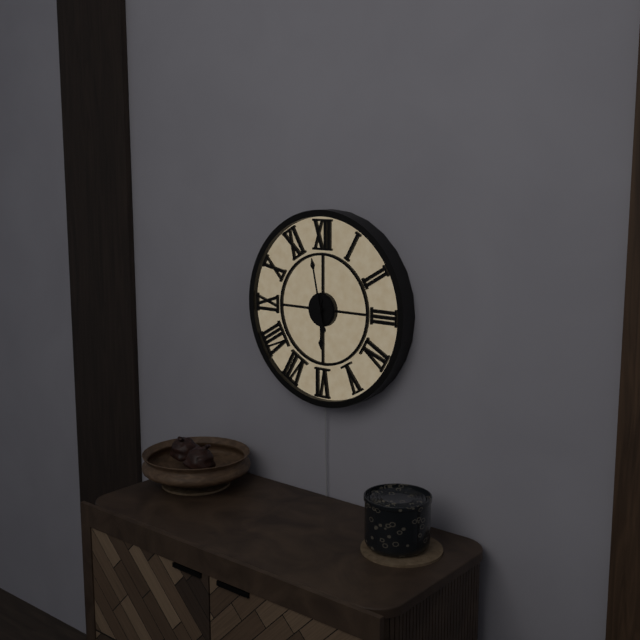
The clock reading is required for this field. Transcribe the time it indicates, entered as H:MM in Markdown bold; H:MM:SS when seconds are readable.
**5:58**
